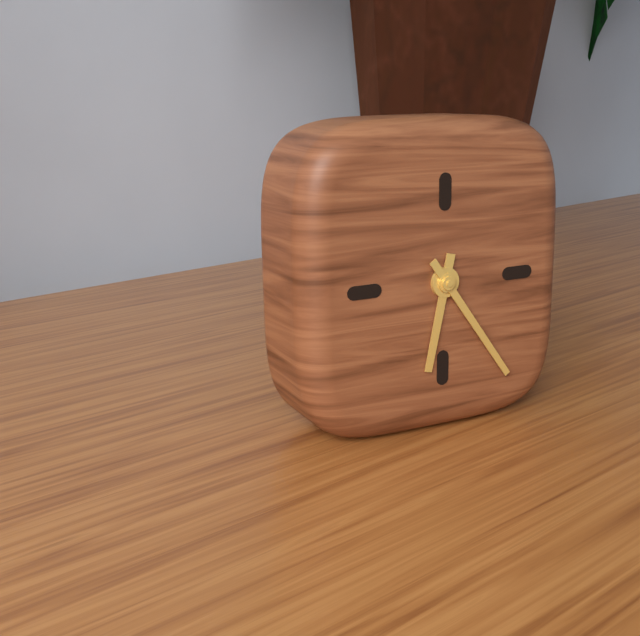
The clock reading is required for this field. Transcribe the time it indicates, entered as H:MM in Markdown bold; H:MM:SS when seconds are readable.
**6:24**
